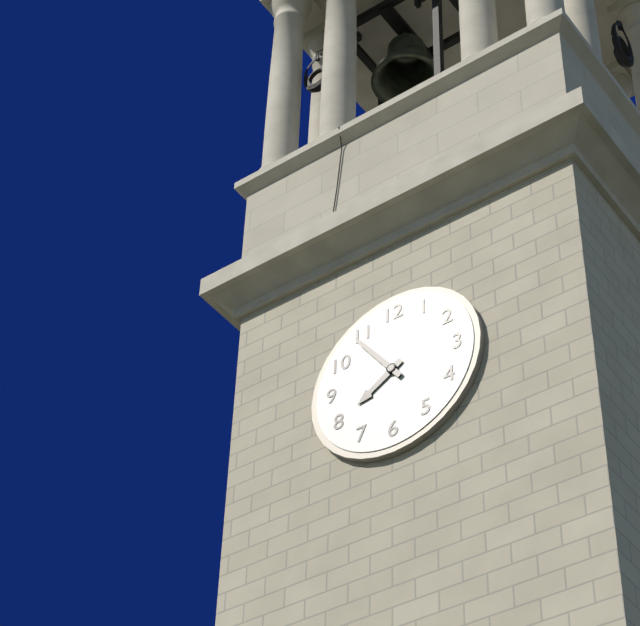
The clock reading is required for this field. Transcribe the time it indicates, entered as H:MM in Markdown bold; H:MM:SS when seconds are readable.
**7:54**
